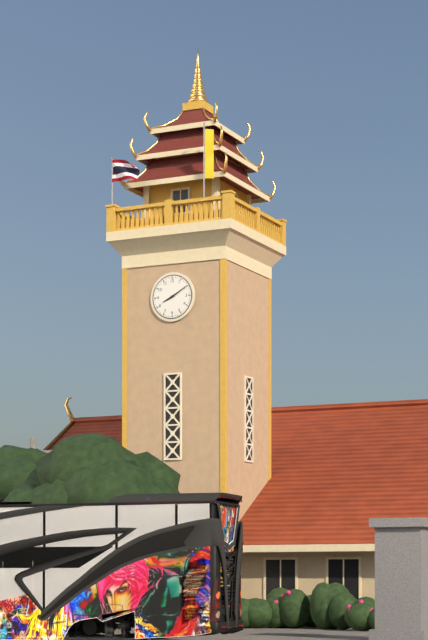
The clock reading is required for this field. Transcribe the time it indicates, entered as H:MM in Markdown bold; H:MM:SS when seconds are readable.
**8:10**
